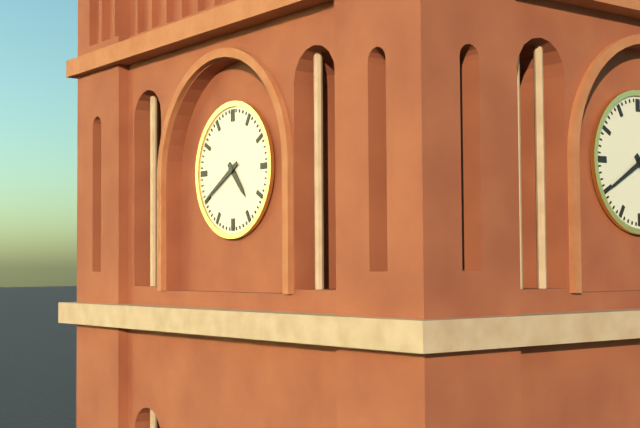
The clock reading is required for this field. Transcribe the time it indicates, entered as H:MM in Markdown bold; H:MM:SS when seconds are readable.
**4:40**
